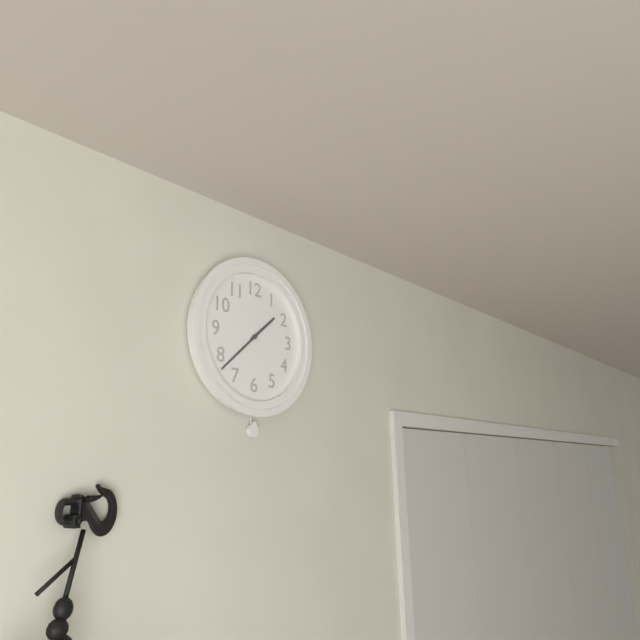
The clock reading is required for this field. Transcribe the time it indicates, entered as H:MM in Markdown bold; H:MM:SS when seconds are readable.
**1:38**
